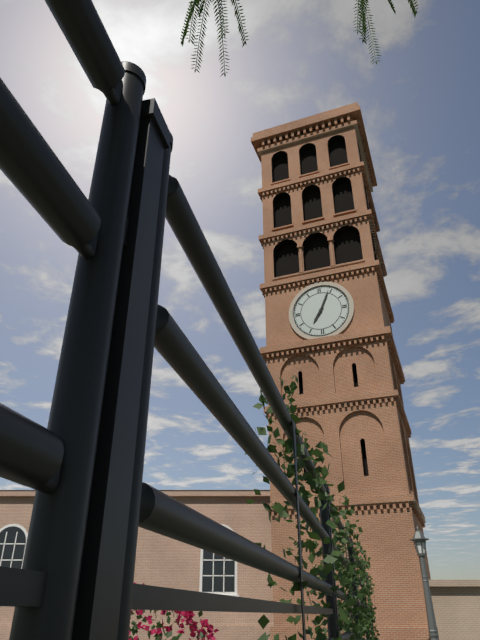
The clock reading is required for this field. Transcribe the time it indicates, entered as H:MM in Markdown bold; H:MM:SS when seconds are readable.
**7:04**
